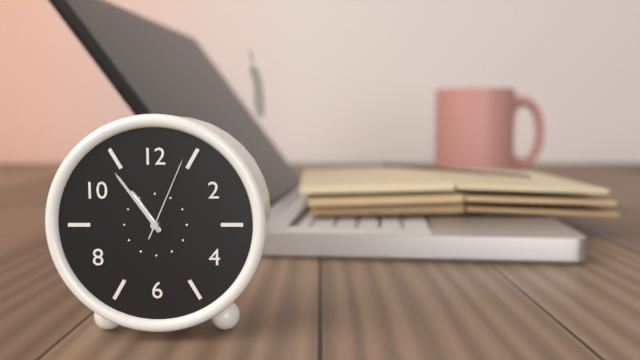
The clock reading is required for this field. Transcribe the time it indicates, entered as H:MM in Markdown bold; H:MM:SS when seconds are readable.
**10:54:04**
